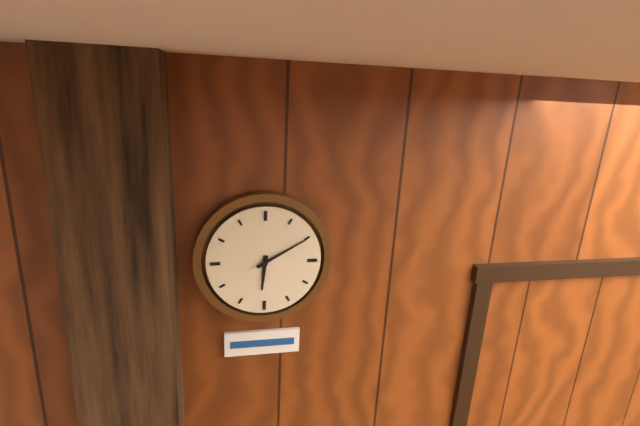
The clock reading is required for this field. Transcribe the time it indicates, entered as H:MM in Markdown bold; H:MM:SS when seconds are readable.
**6:10**
